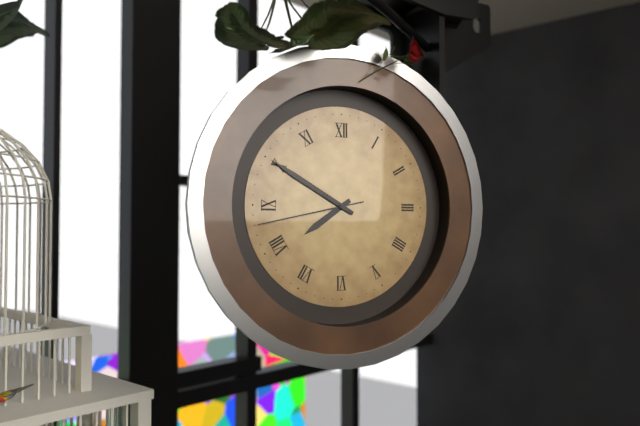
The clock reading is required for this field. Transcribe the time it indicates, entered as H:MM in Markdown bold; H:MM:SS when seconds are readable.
**7:50:43**
